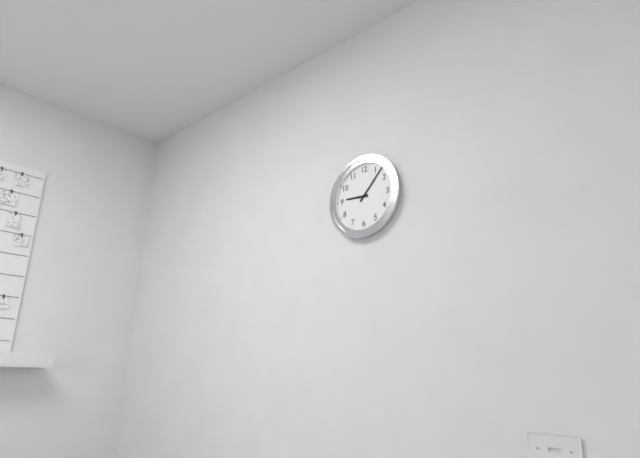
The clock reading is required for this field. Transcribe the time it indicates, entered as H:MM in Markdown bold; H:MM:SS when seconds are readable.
**9:07**
